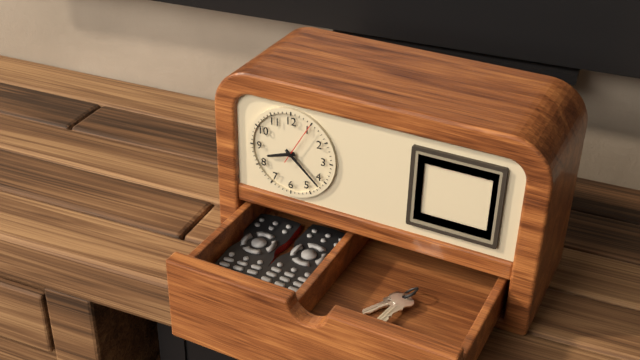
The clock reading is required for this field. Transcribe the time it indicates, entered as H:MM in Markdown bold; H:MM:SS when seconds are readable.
**8:22**
